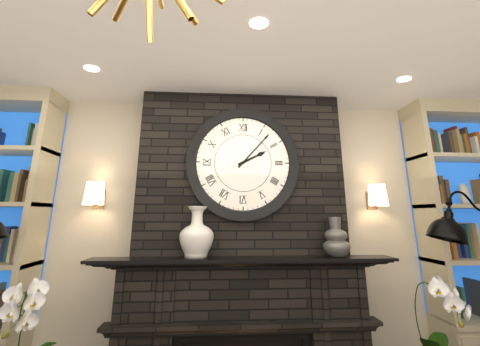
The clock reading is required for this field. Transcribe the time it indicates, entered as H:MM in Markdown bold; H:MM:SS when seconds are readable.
**2:07**
